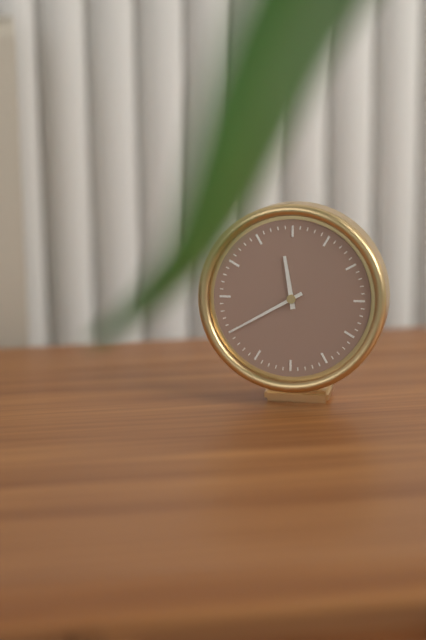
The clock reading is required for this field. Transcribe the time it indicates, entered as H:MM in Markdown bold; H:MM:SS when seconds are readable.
**11:40**
